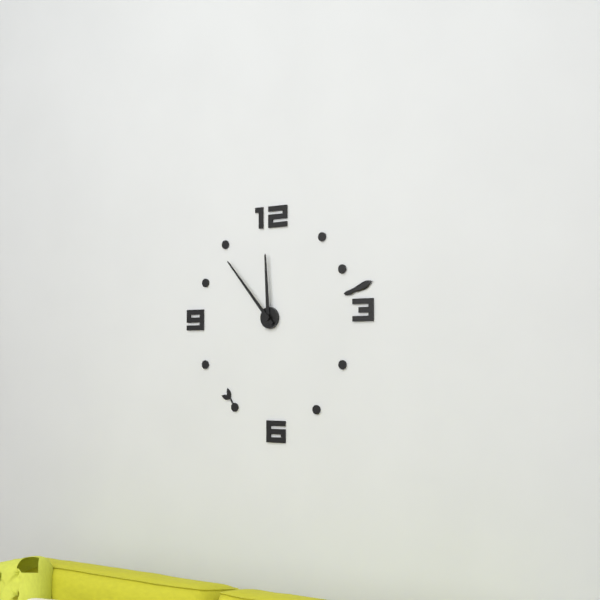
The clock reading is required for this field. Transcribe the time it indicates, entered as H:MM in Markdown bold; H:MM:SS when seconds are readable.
**11:53**
